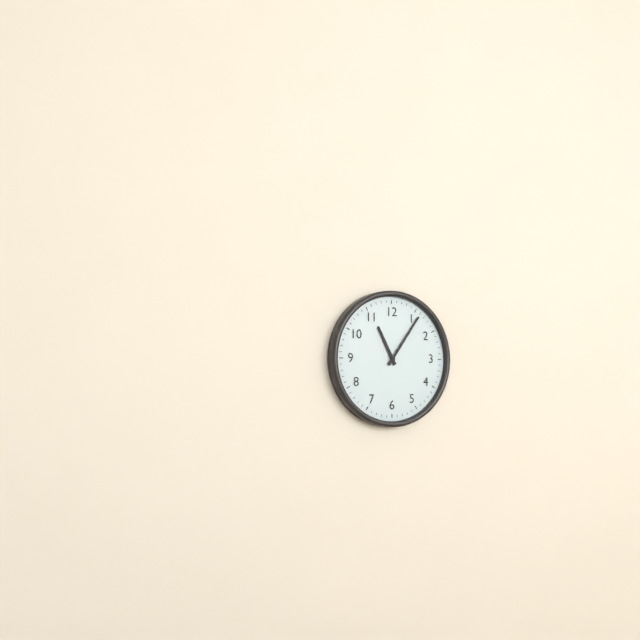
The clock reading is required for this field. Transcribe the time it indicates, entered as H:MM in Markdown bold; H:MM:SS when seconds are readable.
**11:06**
